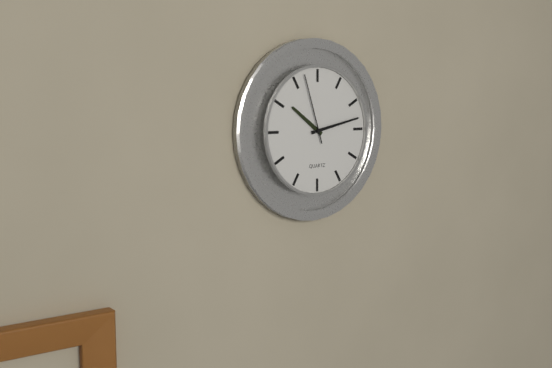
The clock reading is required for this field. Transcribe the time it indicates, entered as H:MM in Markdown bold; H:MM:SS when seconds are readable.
**10:13:57**
